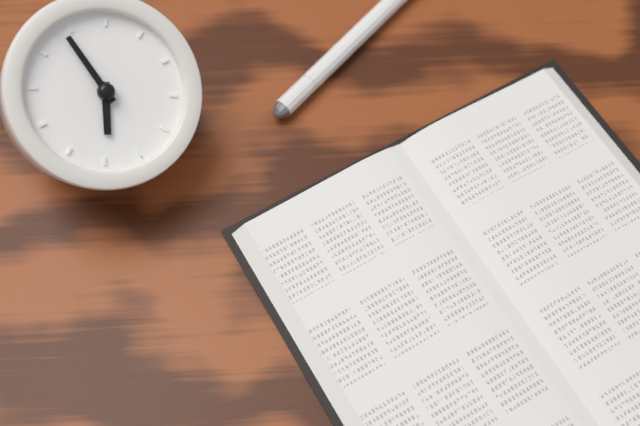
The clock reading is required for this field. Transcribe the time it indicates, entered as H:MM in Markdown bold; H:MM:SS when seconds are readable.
**5:54**
